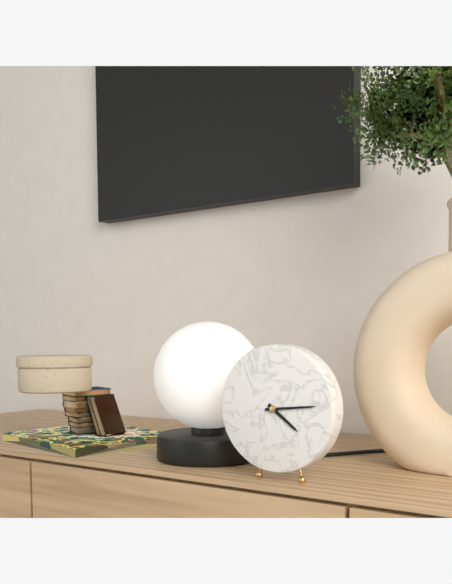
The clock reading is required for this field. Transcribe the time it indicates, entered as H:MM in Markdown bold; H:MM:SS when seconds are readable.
**4:14**
